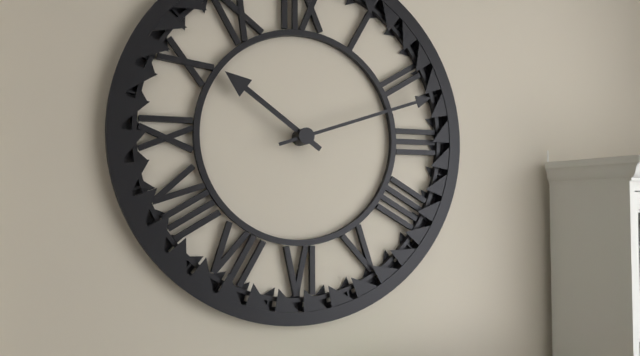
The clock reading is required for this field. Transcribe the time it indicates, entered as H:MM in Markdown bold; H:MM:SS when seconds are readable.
**10:12**
